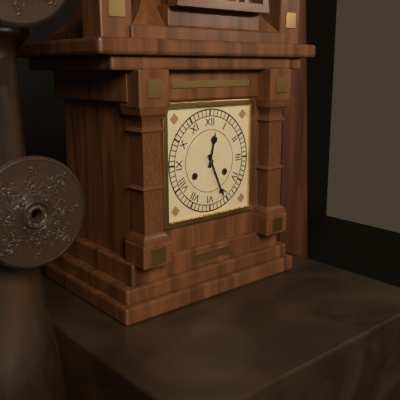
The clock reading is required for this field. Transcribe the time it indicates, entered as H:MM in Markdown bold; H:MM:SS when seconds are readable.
**12:26**
